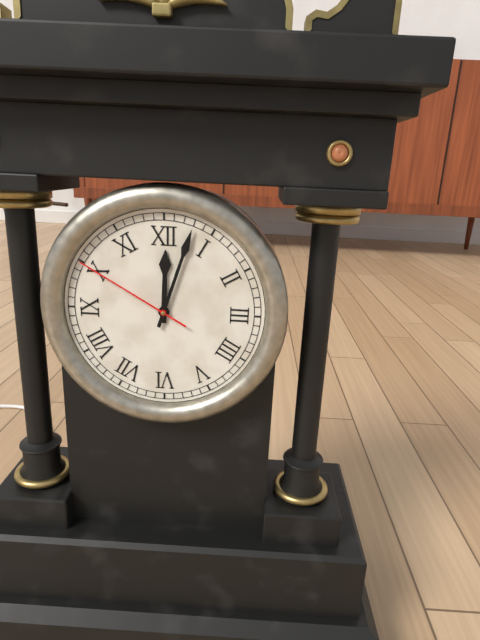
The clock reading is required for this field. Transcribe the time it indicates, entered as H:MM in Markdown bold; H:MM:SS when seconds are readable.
**12:03:50**
